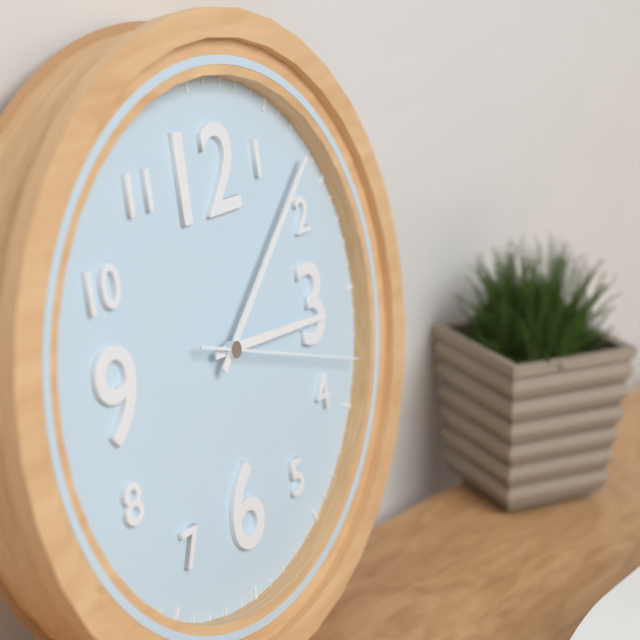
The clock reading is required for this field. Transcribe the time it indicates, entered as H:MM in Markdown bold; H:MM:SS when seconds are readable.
**3:08:18**
